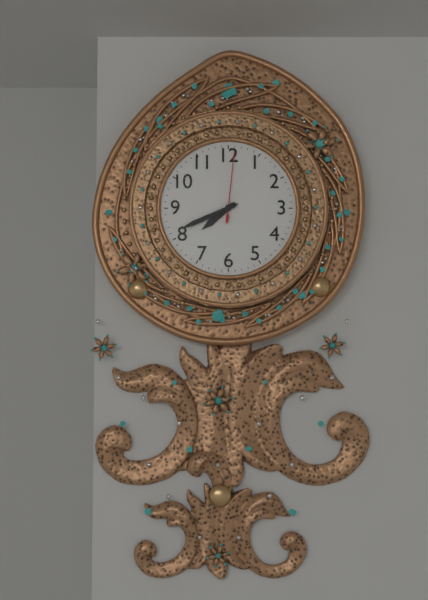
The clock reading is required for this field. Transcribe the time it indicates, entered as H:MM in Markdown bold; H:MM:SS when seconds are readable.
**7:41:01**
